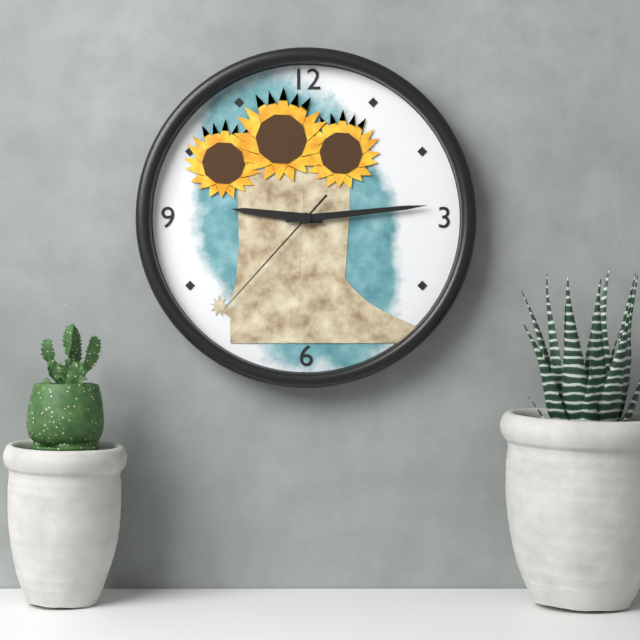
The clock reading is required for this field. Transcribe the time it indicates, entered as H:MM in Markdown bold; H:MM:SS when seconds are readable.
**9:14:37**
